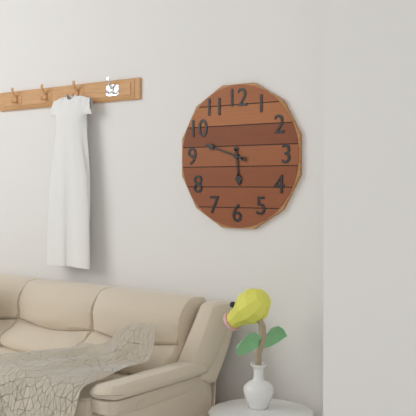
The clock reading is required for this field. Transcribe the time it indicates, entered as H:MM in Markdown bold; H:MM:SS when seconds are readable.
**5:48**
